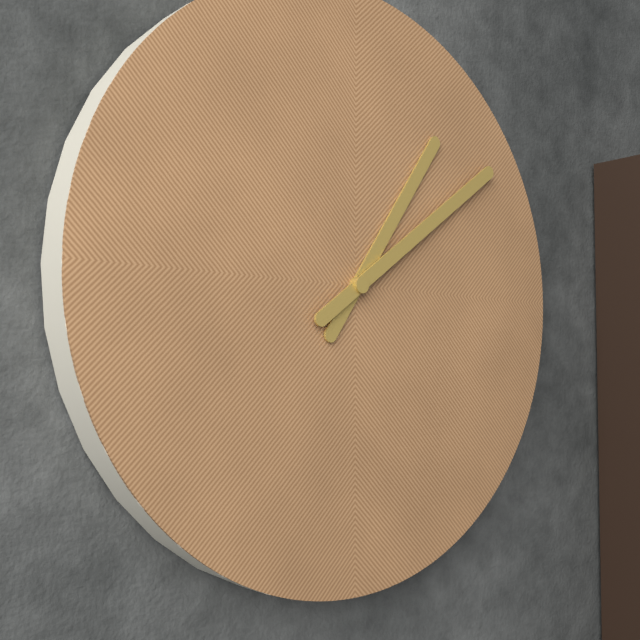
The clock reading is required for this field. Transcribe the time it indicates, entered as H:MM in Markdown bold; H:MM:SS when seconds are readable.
**1:09**
